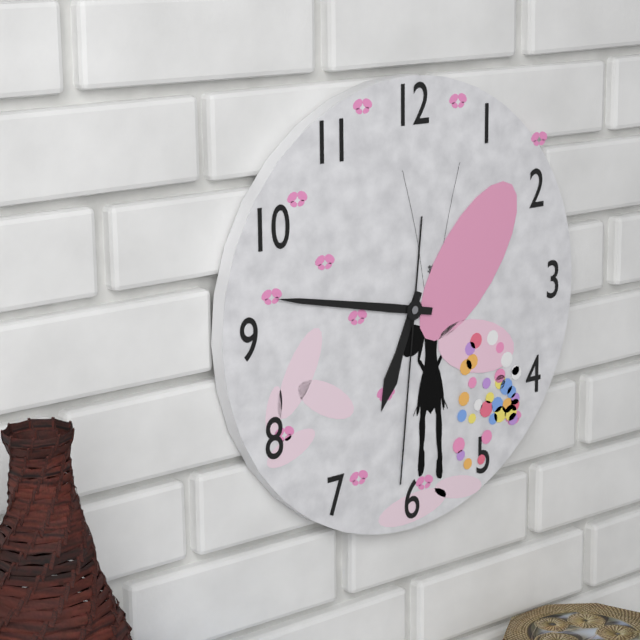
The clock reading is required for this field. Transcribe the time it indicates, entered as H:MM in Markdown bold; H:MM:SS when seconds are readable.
**6:47:31**
